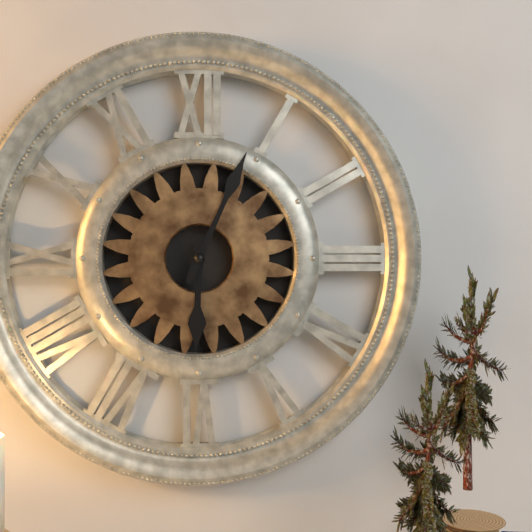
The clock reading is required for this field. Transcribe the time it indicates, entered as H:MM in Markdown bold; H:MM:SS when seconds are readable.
**6:04**
